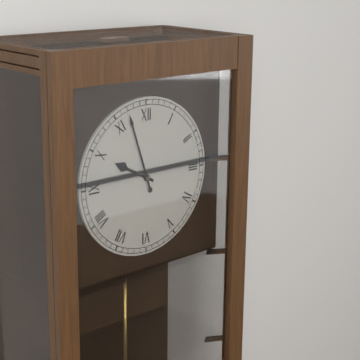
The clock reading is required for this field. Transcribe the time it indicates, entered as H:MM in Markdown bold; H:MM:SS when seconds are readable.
**9:57**
